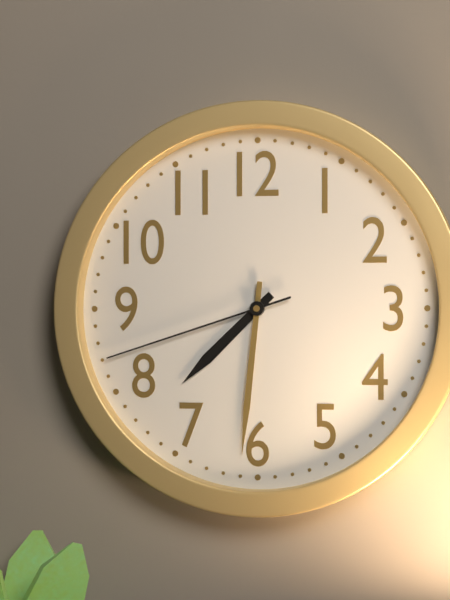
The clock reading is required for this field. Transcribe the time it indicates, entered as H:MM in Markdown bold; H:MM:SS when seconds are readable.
**7:31:42**
